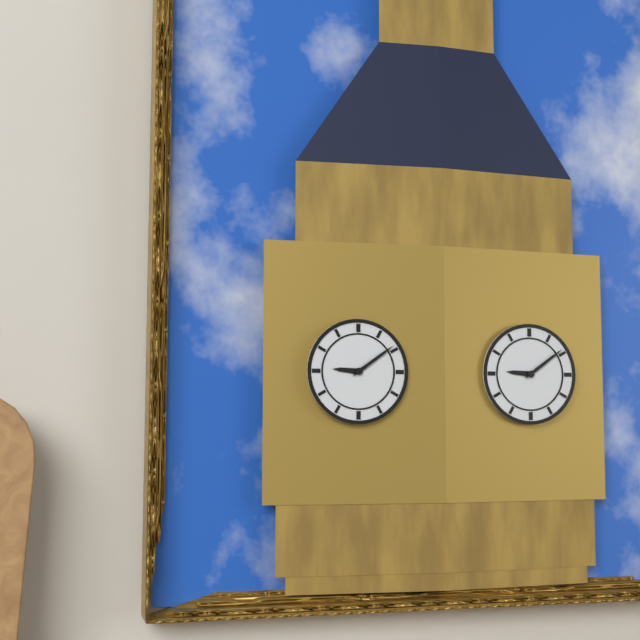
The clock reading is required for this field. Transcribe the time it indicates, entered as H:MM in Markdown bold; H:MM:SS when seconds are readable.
**9:09**
